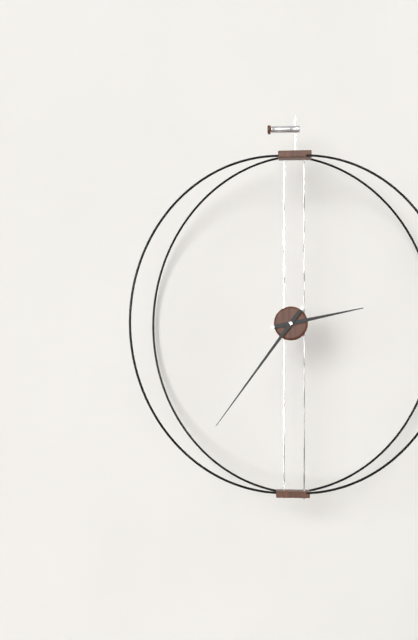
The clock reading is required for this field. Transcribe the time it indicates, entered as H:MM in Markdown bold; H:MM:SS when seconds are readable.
**2:36**
